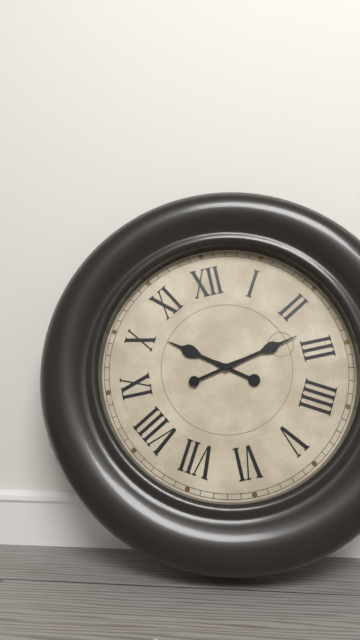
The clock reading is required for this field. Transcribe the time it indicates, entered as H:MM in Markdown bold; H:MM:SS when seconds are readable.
**10:13**
